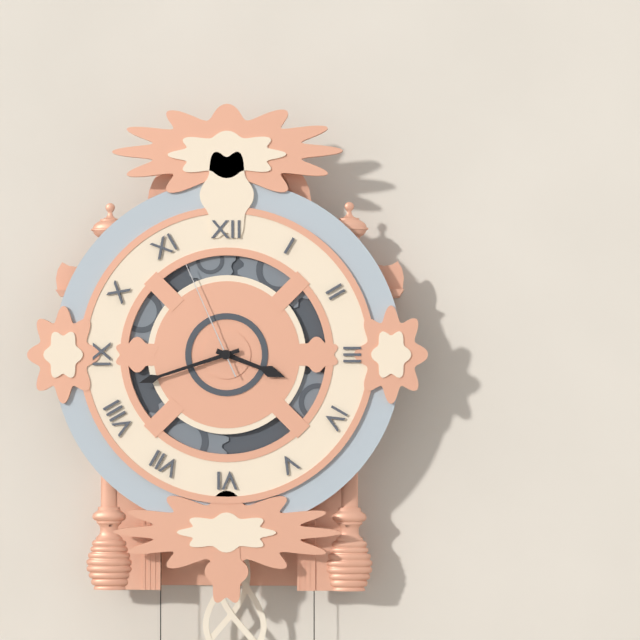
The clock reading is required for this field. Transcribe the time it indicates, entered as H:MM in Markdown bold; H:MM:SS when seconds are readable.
**3:42:56**
